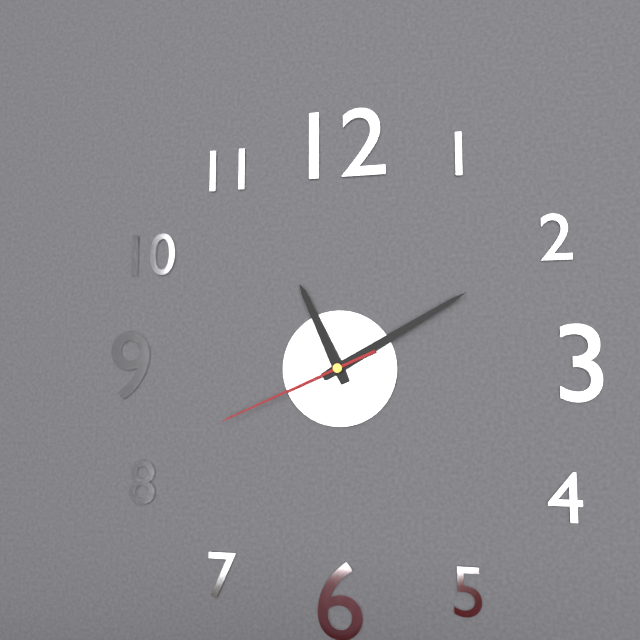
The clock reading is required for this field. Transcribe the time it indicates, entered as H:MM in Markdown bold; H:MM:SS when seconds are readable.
**11:10:41**
